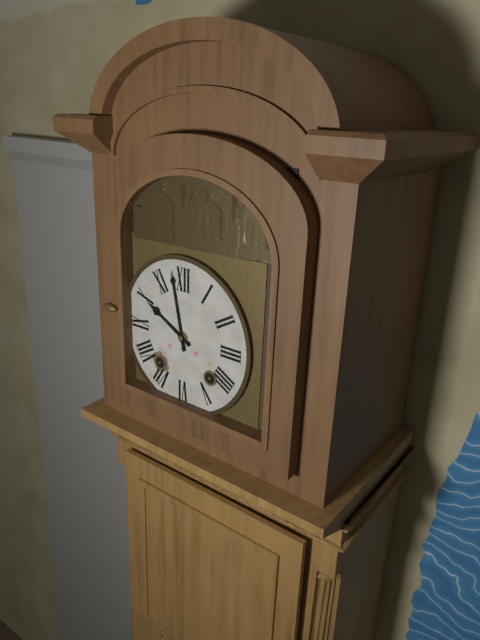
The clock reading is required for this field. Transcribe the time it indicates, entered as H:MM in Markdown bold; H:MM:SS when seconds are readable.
**9:58**
